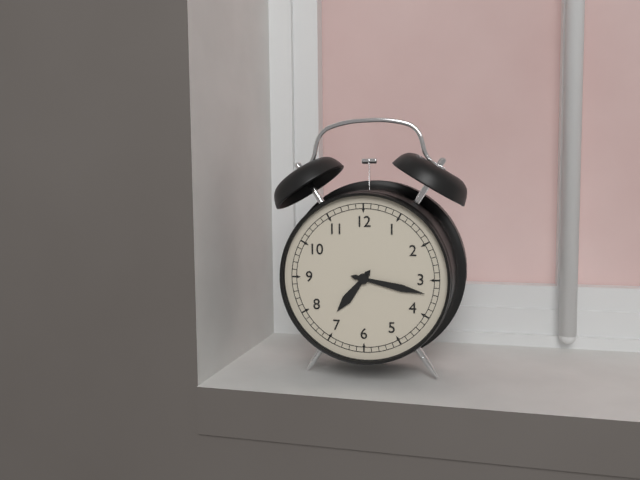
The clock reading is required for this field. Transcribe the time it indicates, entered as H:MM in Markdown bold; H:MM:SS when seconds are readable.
**7:17**
